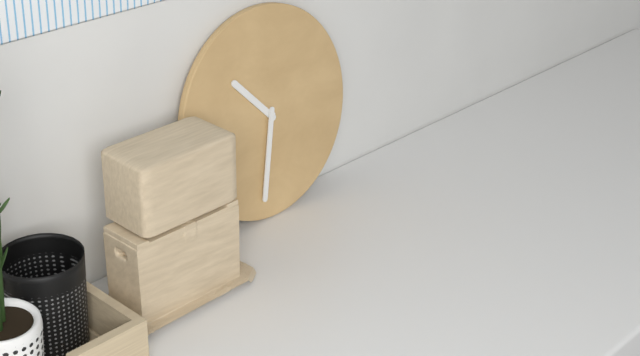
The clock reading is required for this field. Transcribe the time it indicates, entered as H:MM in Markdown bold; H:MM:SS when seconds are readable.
**10:32**
